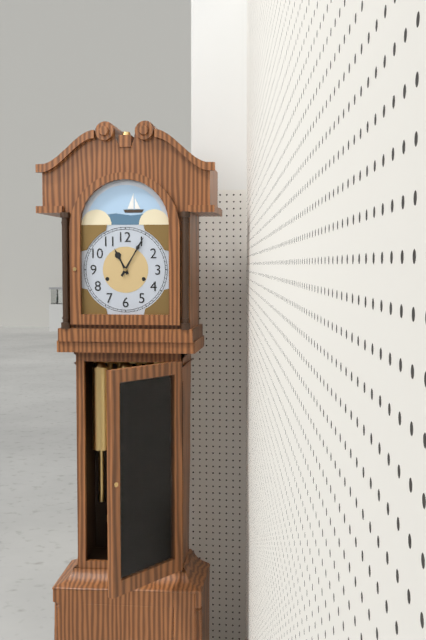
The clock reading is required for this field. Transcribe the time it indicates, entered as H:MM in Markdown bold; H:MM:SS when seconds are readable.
**11:05**
